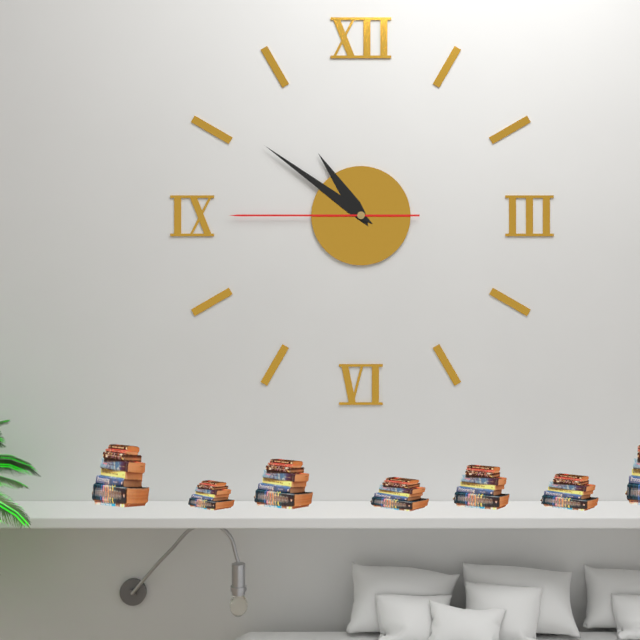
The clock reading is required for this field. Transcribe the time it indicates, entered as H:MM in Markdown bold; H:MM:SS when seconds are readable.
**10:51:45**
